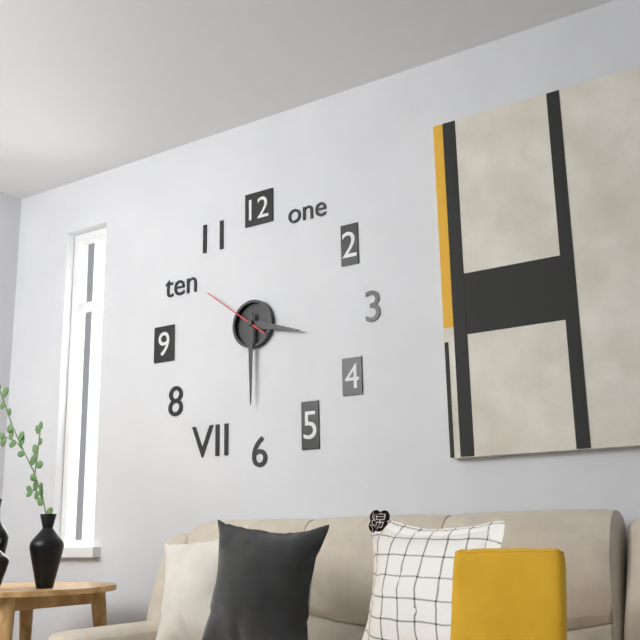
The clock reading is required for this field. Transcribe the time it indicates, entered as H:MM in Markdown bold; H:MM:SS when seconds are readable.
**3:30:51**
